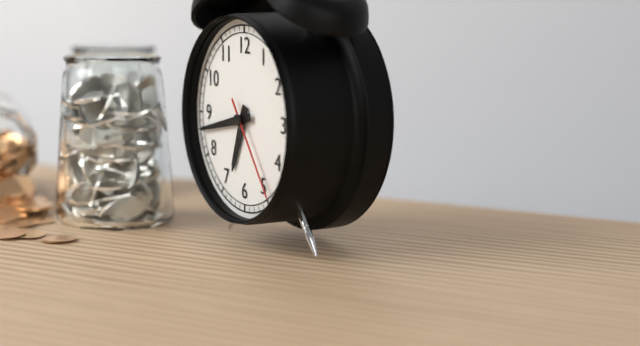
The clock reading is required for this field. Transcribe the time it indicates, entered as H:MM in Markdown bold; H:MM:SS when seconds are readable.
**6:43:24**
